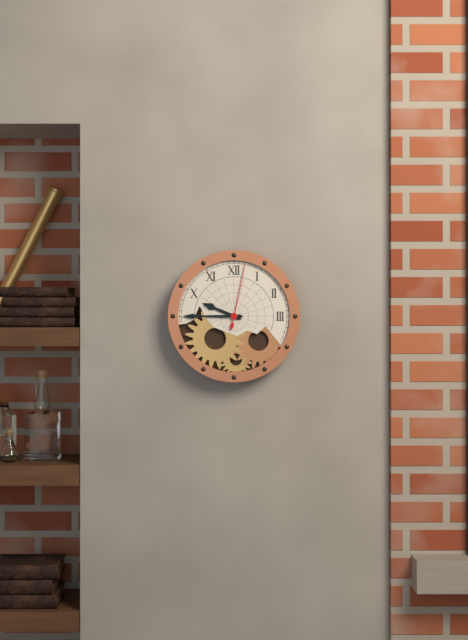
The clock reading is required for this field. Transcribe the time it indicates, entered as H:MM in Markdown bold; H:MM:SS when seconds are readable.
**9:45:02**
